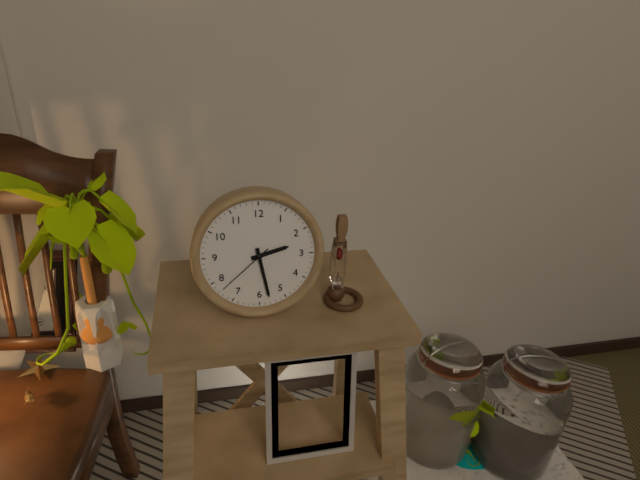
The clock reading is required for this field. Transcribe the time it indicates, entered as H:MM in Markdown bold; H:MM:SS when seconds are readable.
**2:28:38**
